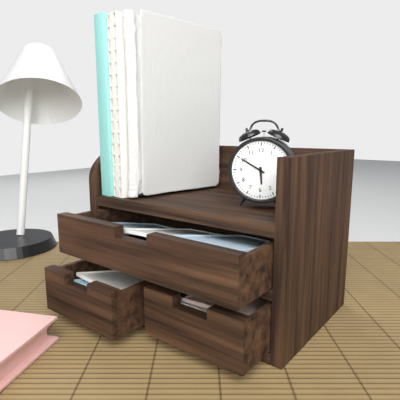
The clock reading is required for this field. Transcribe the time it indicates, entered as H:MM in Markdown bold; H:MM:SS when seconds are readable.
**5:50**
